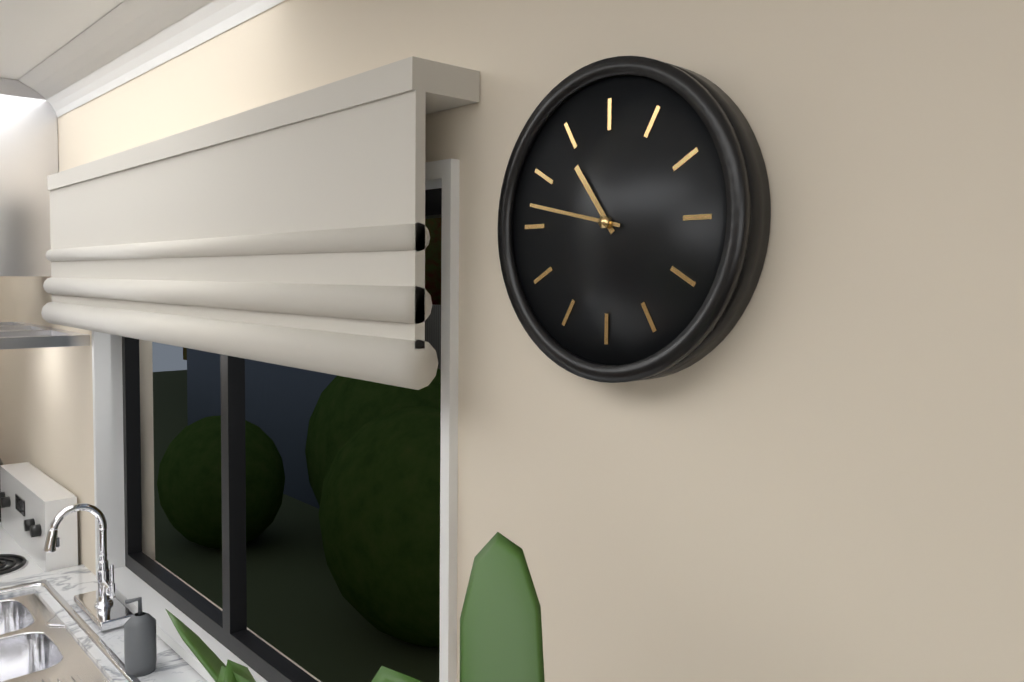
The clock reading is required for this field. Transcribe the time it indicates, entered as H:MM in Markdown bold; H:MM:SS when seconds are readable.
**10:47**
